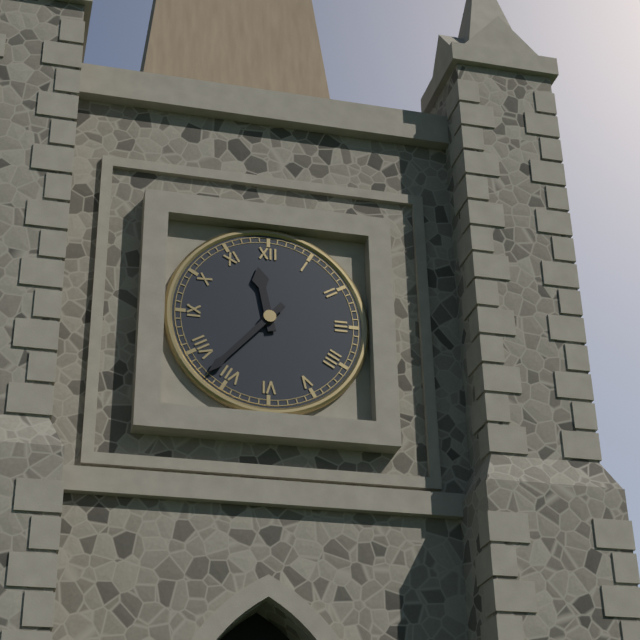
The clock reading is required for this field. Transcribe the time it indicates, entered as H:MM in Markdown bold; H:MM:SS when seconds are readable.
**11:37**
